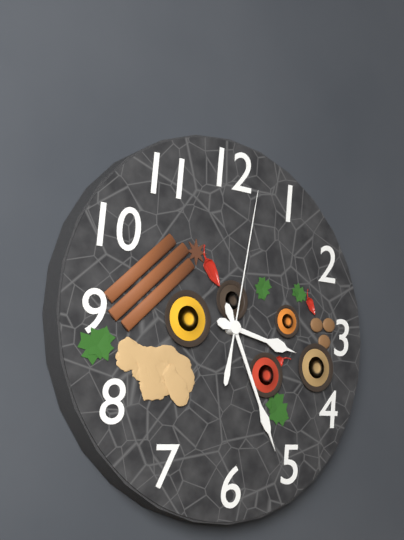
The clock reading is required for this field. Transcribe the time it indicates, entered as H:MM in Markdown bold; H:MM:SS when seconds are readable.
**3:26:02**
